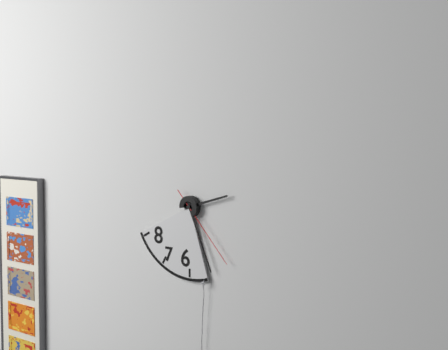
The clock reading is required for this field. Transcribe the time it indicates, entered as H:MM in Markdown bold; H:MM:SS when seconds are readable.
**2:26:23**
